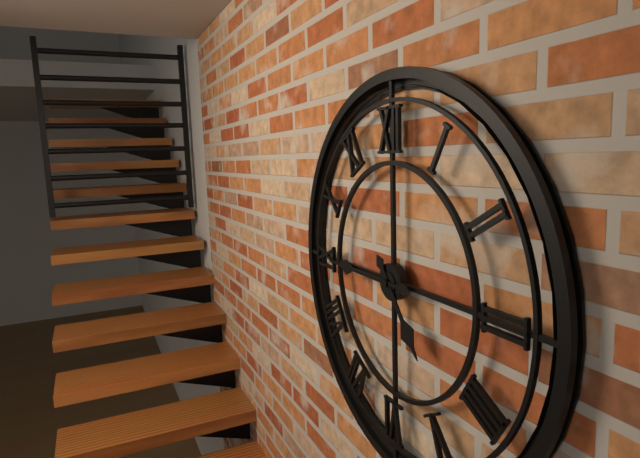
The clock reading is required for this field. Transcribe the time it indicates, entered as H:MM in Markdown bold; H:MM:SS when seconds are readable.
**4:45**
